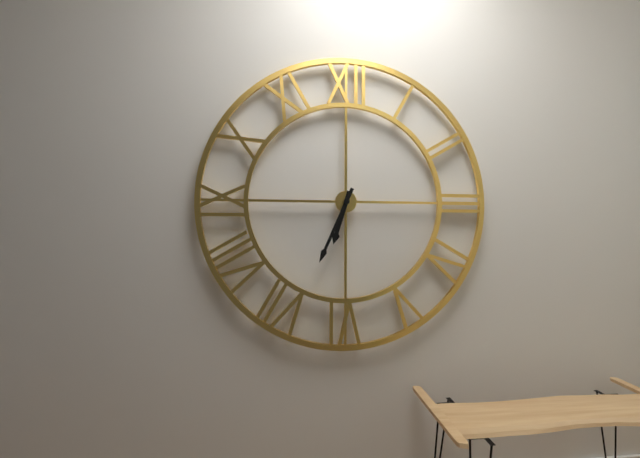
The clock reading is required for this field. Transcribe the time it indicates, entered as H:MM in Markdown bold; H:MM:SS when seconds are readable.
**6:34**
